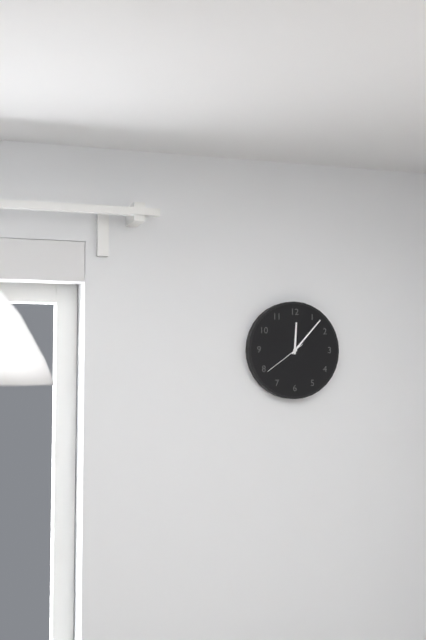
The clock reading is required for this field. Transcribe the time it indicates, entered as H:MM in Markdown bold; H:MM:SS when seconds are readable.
**12:07**
